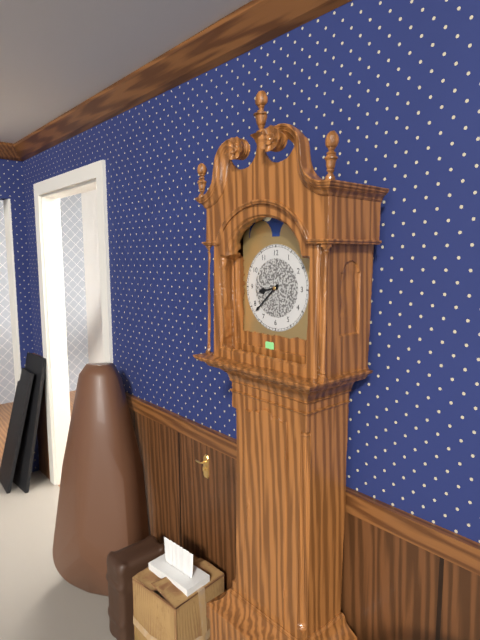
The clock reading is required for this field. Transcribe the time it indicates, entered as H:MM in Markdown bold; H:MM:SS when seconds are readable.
**8:38**
